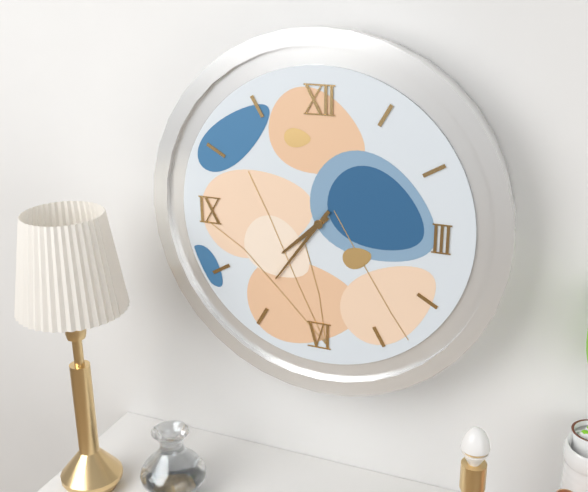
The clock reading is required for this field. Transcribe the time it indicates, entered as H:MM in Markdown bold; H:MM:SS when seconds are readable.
**7:36**
